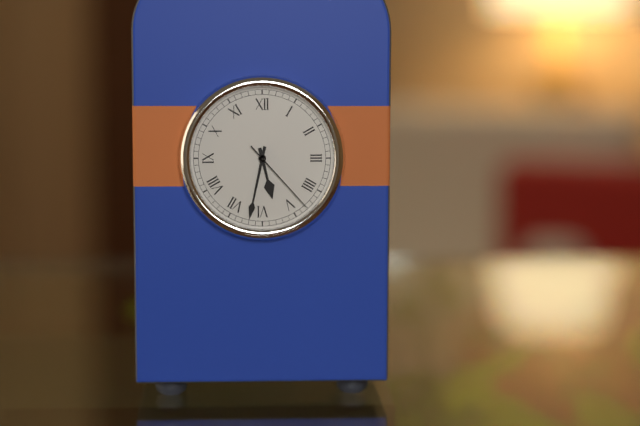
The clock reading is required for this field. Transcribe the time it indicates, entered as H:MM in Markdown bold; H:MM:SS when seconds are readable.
**5:32:23**
